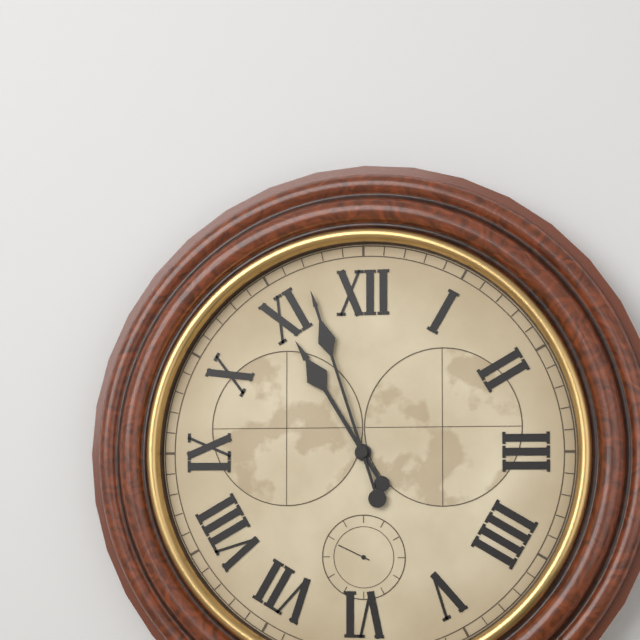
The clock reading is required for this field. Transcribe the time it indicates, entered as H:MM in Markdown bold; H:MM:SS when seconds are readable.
**10:57**
